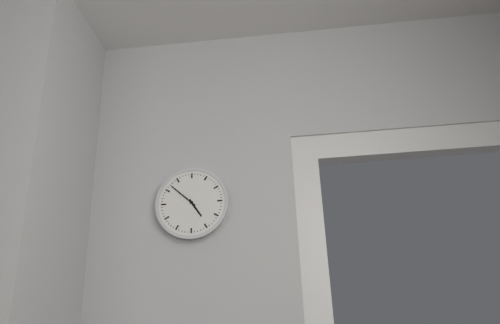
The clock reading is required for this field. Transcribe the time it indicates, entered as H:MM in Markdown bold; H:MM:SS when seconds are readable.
**4:52**
